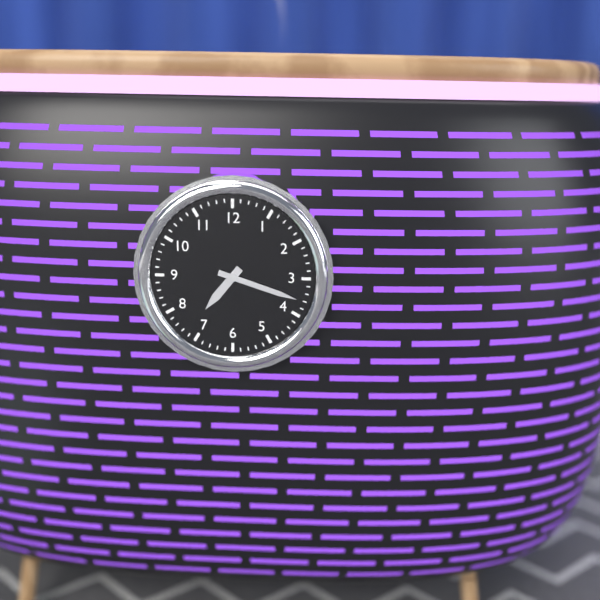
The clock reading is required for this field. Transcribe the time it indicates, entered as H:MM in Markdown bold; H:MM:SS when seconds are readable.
**7:18**
